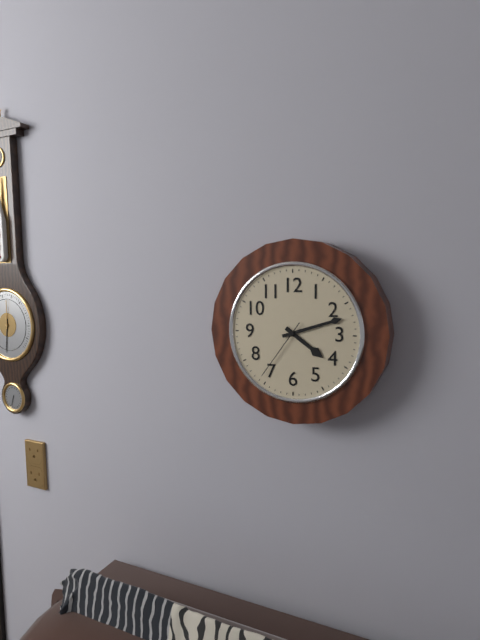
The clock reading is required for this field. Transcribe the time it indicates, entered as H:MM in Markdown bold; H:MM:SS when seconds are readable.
**4:12:36**
